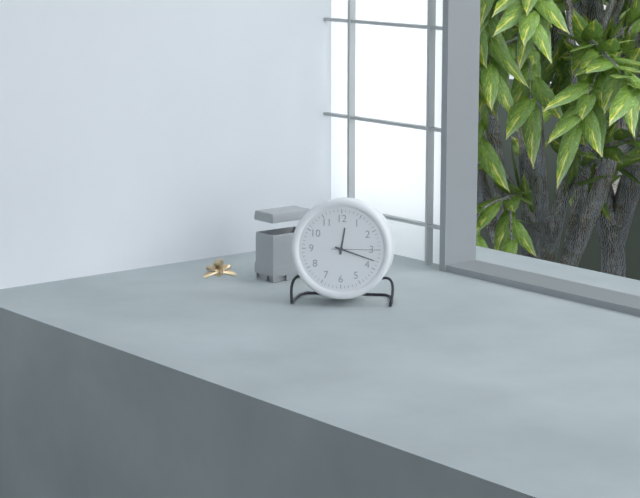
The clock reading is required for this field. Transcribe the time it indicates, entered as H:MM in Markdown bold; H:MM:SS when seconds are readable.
**12:18**
